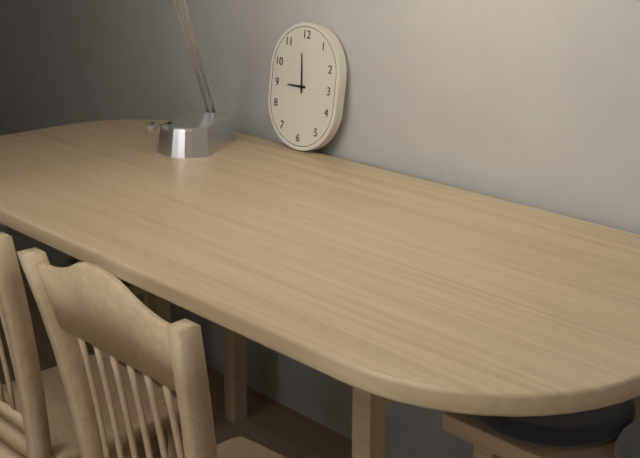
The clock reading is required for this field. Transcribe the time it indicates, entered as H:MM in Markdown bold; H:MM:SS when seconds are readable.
**8:59**
